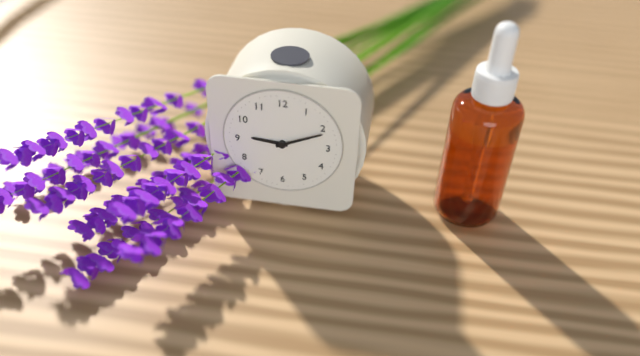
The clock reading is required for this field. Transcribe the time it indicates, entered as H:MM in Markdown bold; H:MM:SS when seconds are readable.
**9:11**
